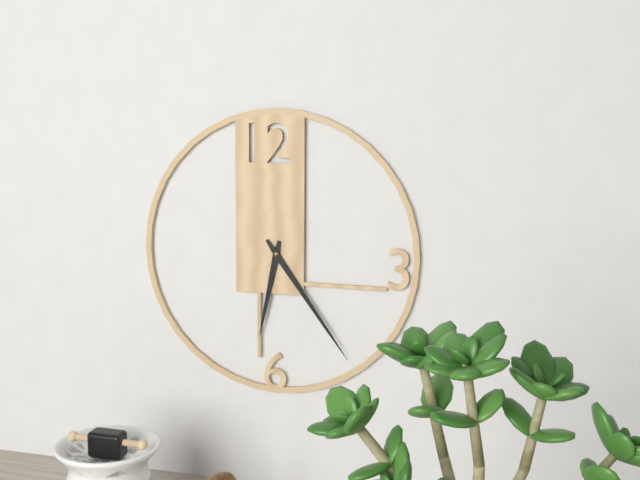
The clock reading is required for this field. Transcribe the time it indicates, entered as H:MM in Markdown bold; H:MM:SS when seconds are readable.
**6:24**
